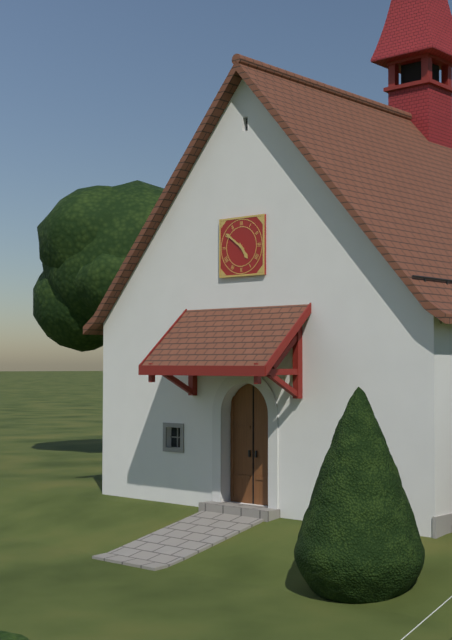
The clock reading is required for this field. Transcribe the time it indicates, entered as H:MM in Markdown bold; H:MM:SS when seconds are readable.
**4:51**
